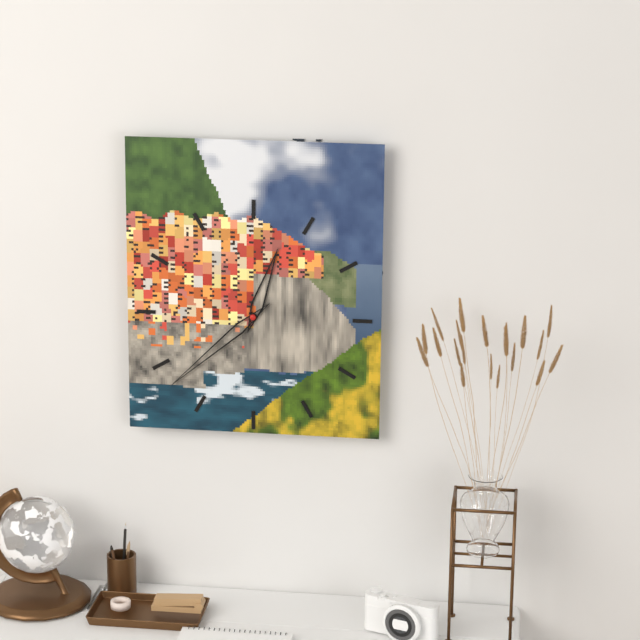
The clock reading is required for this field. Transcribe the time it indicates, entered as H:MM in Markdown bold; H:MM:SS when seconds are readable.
**12:38**
